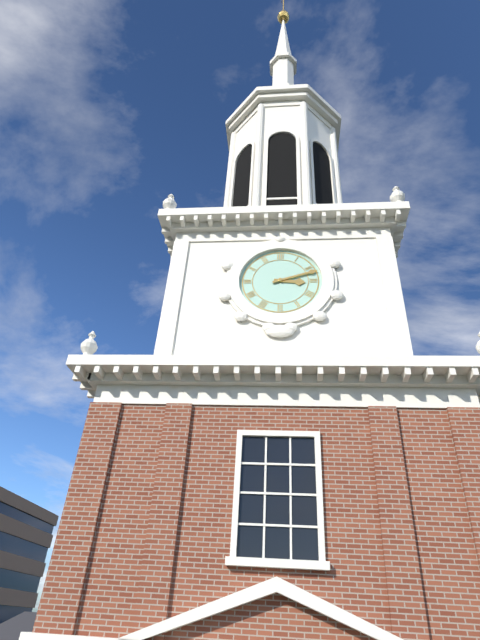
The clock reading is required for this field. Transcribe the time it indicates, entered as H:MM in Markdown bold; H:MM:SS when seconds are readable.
**3:12**
